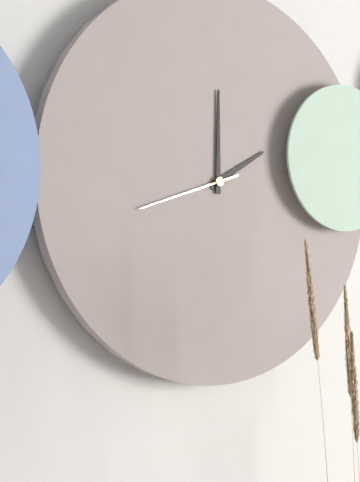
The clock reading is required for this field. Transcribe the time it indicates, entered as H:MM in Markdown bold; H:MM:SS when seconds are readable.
**2:00:42**
